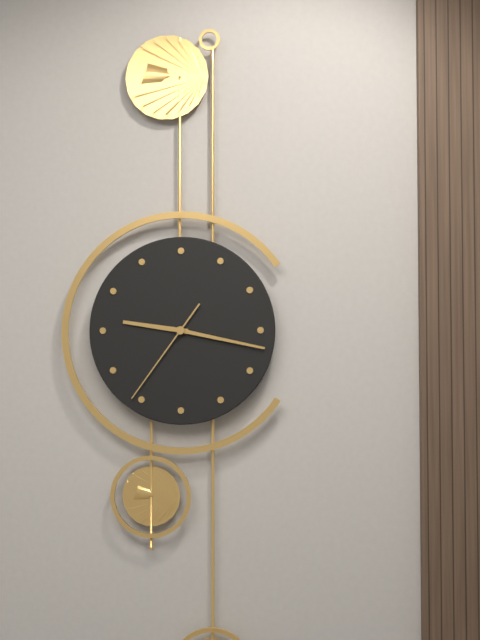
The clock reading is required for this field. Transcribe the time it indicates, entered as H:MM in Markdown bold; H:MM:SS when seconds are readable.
**9:17:36**
